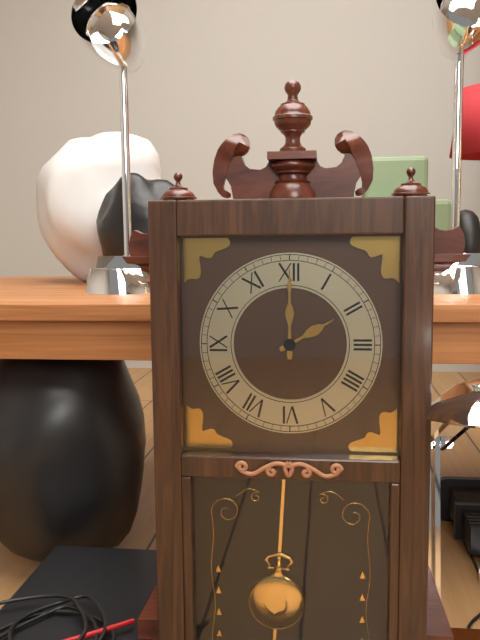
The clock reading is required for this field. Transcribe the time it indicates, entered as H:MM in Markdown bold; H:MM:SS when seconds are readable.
**2:00**
